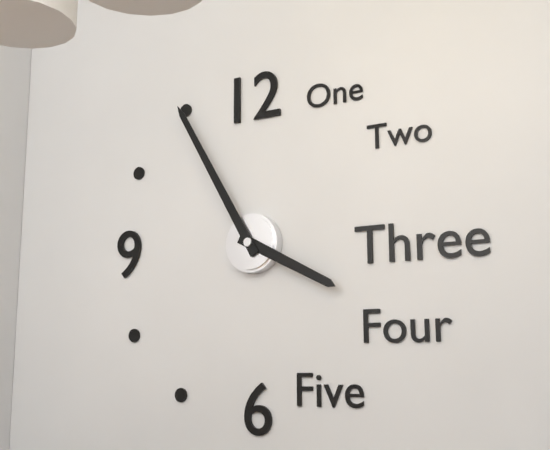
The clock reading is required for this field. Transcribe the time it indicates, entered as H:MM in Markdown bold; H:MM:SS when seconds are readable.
**3:55**
